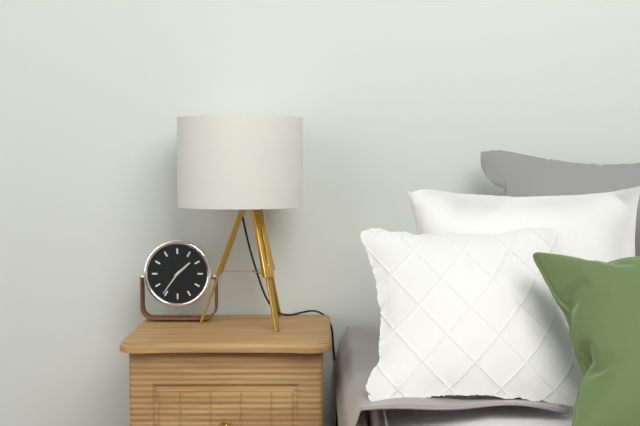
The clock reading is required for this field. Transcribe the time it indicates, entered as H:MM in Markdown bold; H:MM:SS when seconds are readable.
**1:36**
